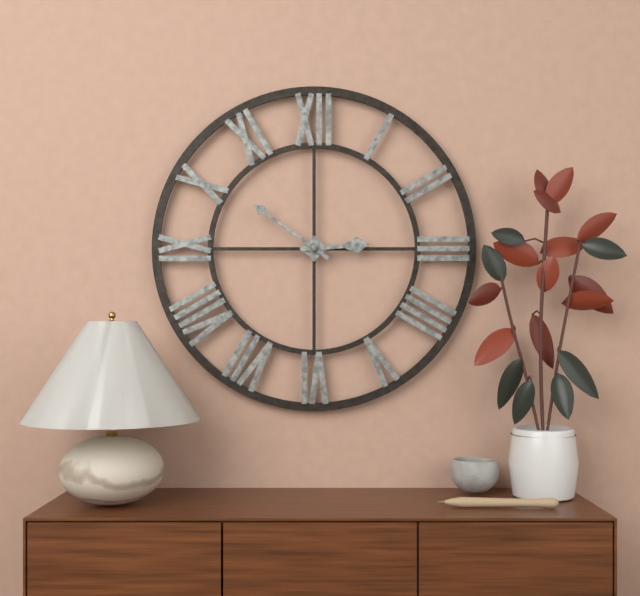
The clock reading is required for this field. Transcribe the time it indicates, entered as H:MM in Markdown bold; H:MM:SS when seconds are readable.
**2:51**
